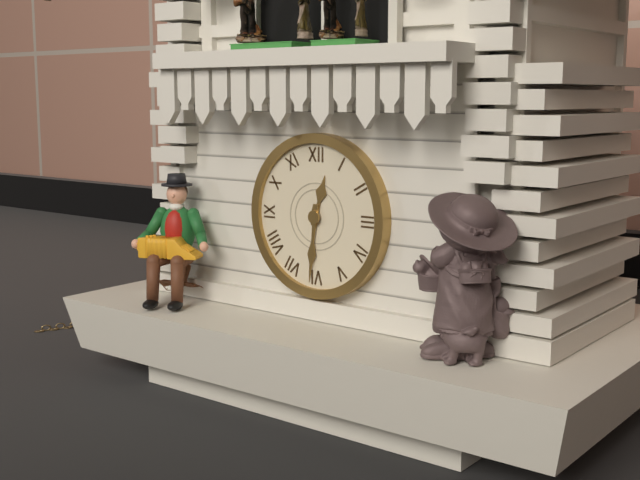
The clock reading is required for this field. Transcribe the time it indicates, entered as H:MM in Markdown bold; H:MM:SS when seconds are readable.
**12:31**
